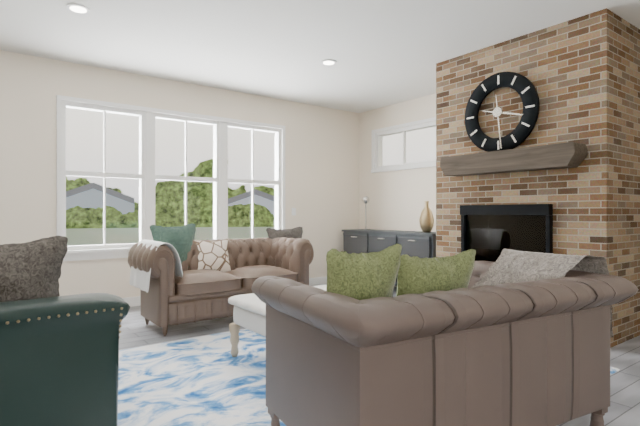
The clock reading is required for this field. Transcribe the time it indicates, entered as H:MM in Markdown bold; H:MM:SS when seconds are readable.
**3:29**
